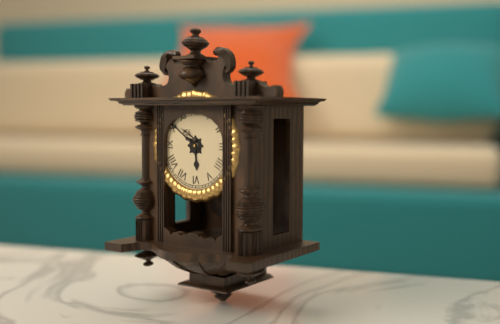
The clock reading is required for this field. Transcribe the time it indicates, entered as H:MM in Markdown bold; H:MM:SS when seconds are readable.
**5:51**
